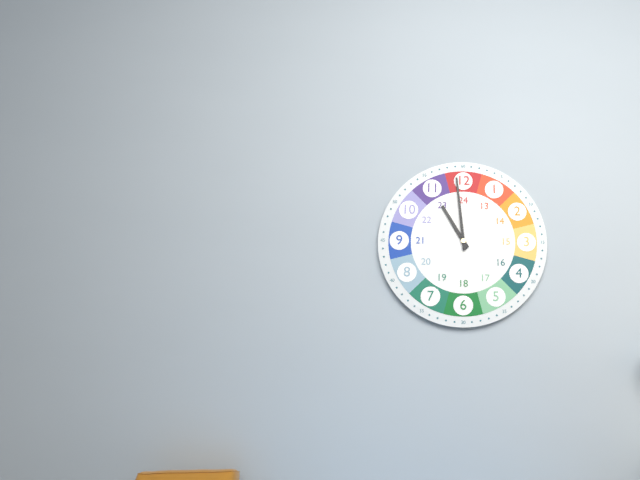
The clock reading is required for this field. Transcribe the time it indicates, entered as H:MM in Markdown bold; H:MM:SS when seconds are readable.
**10:59**
